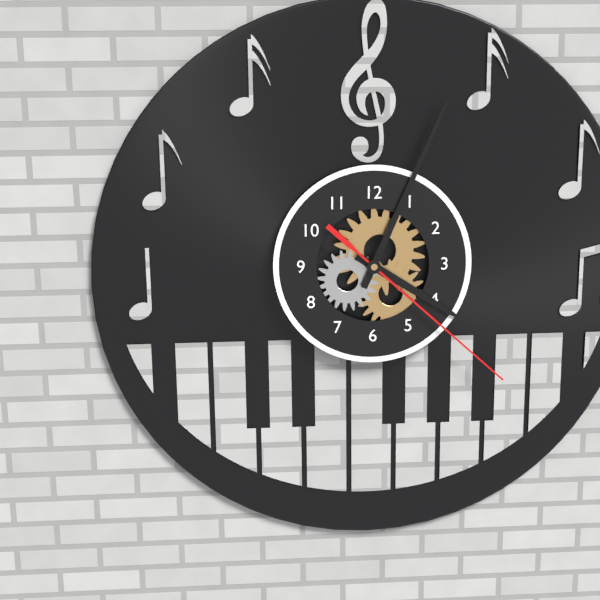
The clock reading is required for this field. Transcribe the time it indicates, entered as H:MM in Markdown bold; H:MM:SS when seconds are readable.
**4:04:22**
